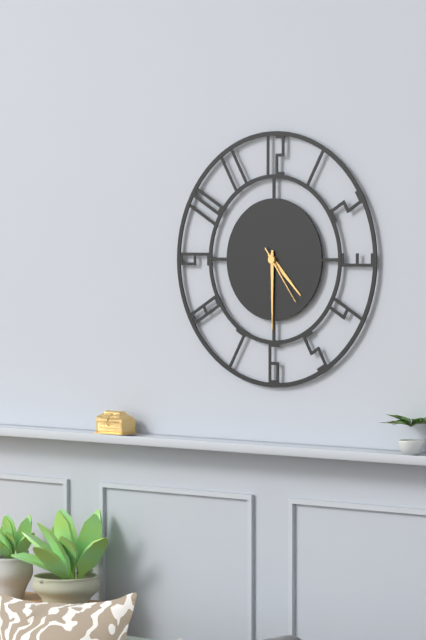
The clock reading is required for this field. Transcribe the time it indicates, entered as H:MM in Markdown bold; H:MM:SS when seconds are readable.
**4:30:24**
